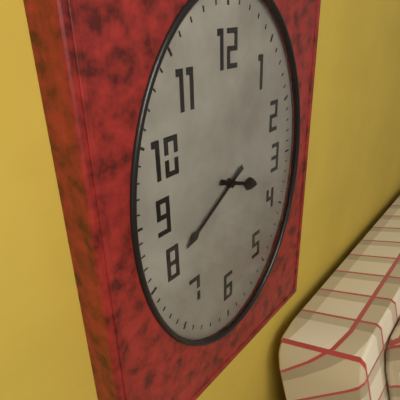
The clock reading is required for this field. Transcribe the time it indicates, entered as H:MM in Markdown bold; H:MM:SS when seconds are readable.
**3:40**
